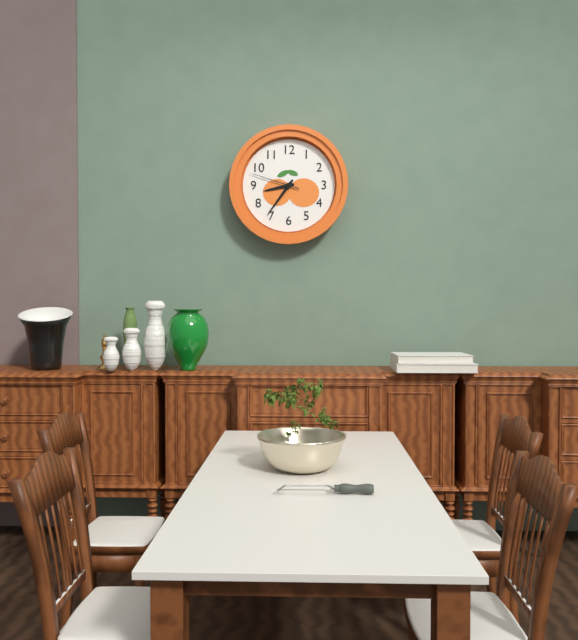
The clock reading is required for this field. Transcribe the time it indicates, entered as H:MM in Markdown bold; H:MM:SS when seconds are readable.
**8:36:48**
